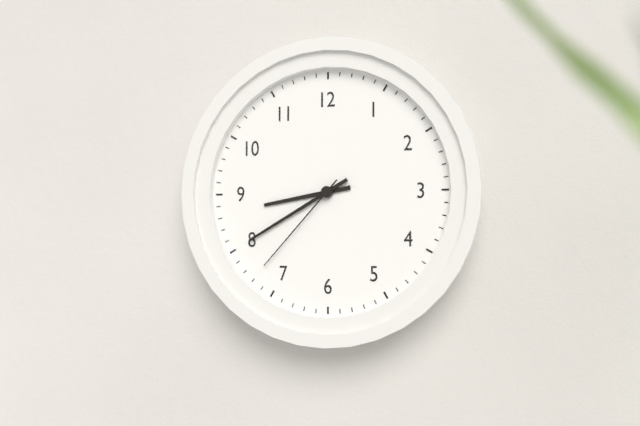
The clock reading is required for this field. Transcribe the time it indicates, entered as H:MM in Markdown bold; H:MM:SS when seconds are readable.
**8:40:37**
